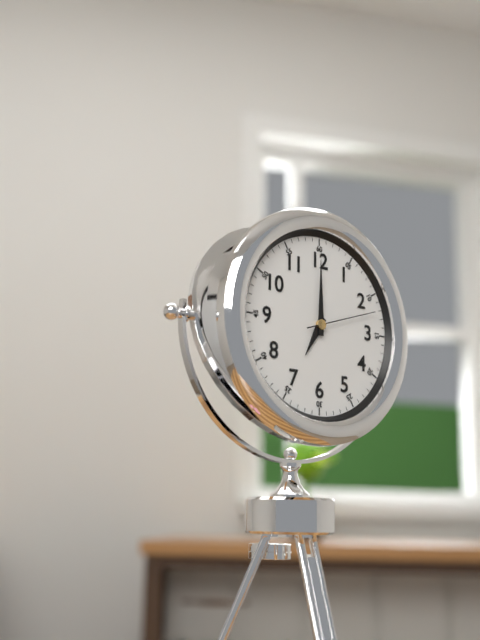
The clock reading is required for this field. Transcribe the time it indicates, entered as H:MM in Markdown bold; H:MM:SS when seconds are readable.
**7:00:12**
